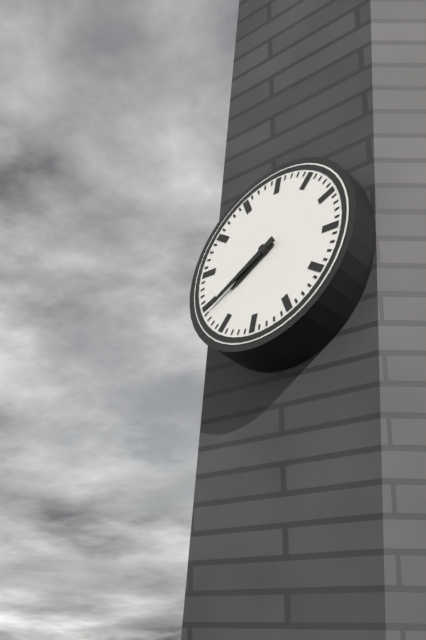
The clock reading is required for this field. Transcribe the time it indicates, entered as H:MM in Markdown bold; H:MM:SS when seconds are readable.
**7:39**
